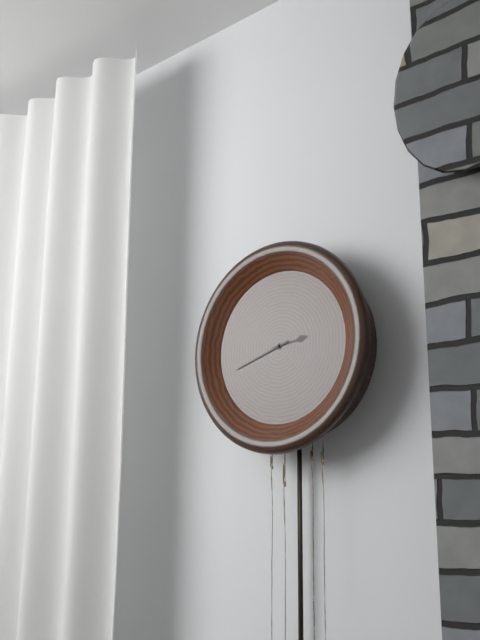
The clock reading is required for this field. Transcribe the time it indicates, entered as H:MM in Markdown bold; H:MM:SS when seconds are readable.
**2:42**
